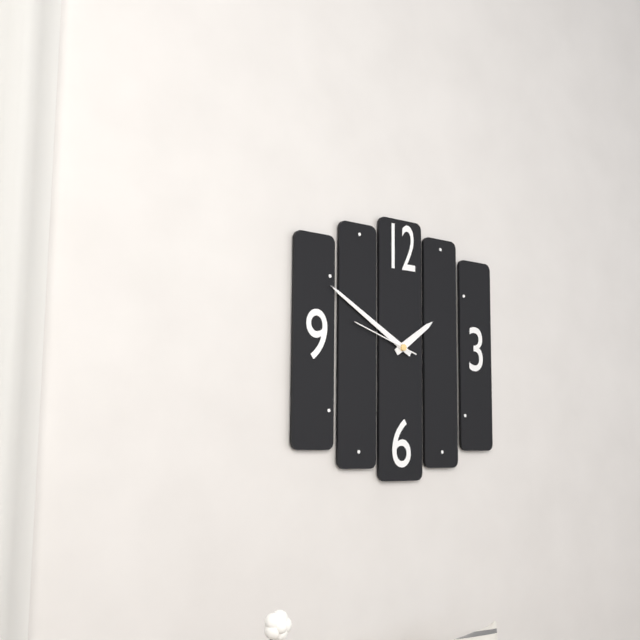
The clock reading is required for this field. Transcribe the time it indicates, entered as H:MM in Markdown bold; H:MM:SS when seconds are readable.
**1:50:48**
